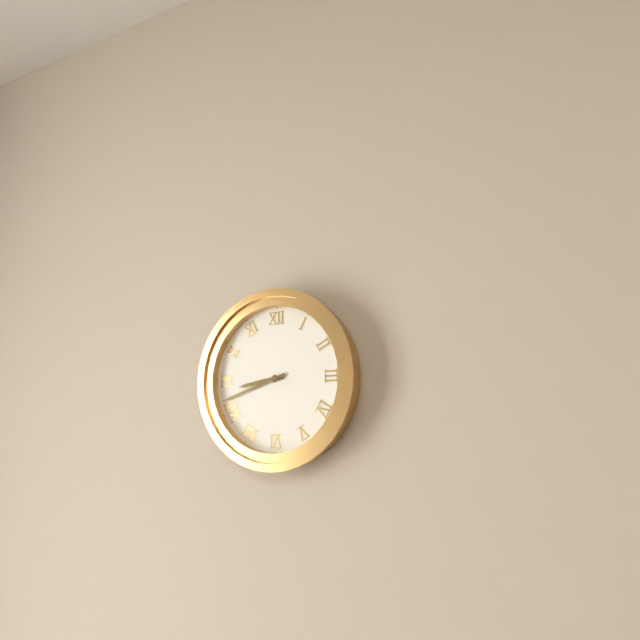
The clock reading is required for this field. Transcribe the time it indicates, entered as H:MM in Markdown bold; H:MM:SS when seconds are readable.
**8:42**
